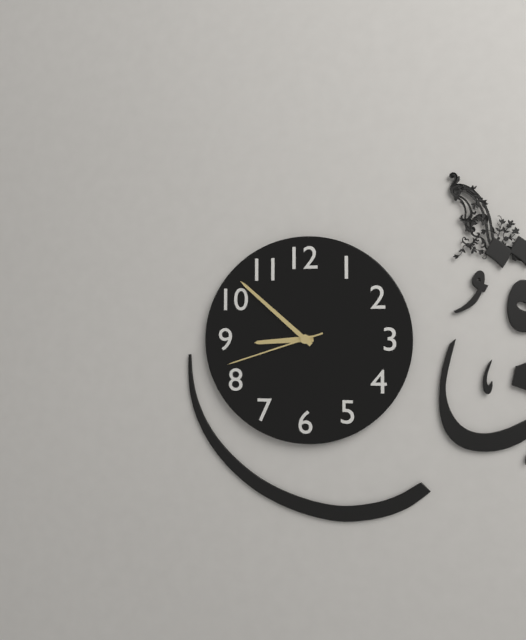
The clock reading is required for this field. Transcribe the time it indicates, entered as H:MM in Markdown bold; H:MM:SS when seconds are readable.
**8:52:42**
